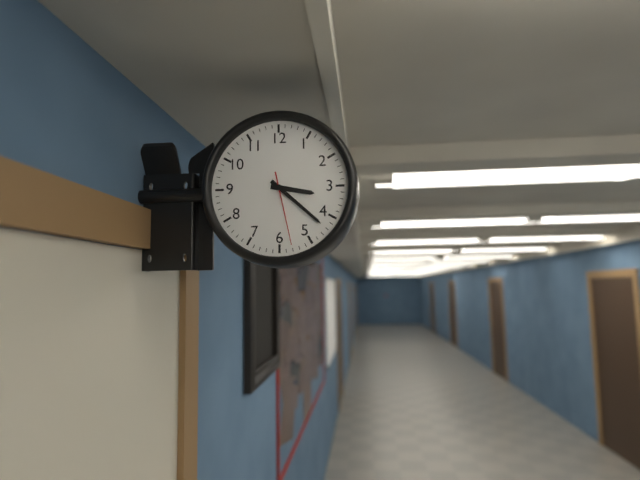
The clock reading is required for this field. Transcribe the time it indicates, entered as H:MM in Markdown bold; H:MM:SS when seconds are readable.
**3:22:28**
